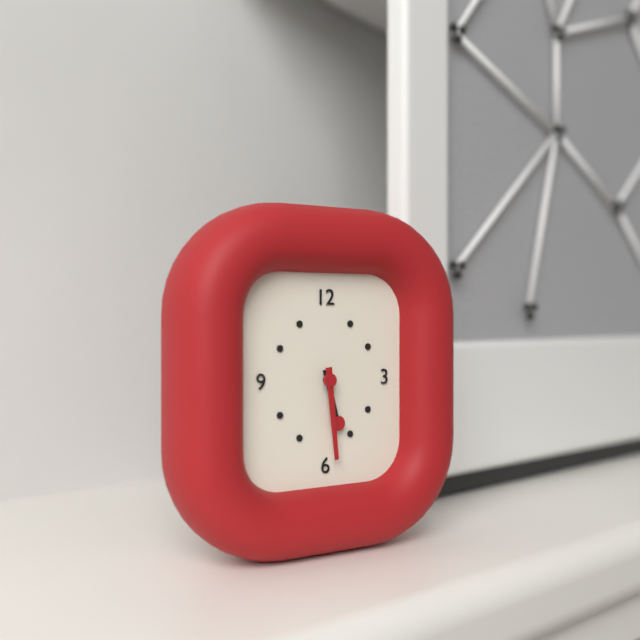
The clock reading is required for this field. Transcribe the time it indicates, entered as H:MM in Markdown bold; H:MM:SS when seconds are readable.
**5:29**
